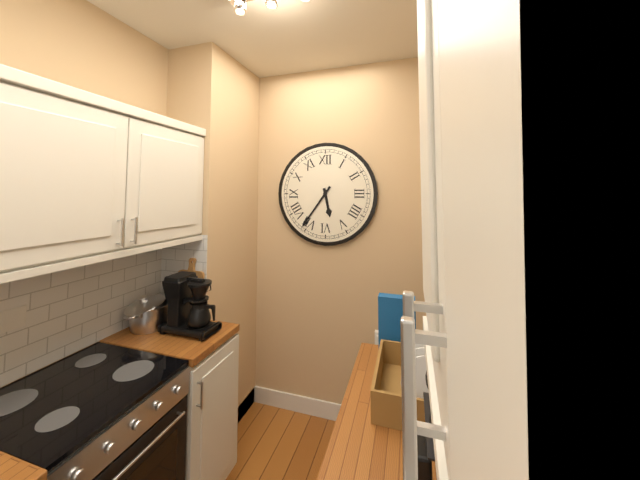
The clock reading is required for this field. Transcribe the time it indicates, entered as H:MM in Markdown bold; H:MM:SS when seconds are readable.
**5:36**
